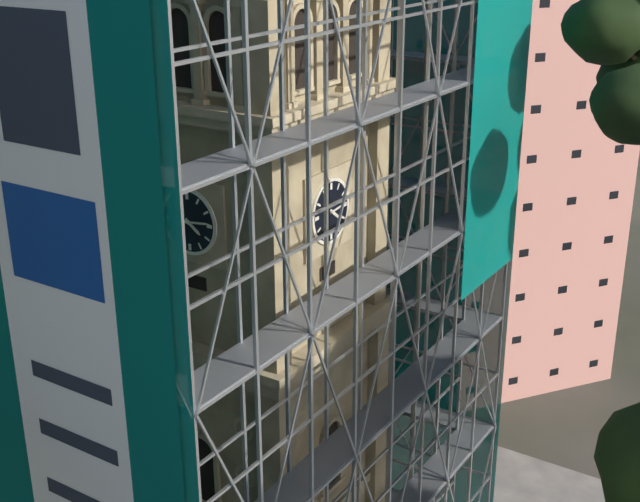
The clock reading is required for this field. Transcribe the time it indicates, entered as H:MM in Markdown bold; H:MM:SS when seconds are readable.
**4:14**
